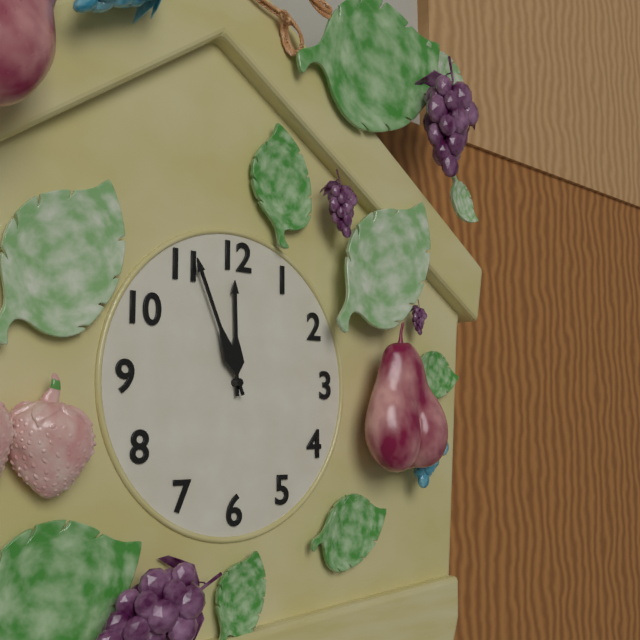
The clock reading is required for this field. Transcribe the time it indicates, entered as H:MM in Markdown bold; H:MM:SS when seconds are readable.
**11:56**
